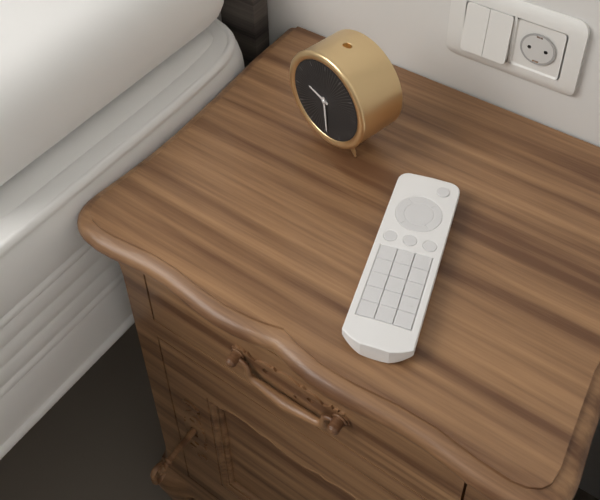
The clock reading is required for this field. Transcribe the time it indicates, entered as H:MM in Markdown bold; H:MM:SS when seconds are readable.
**9:29**
